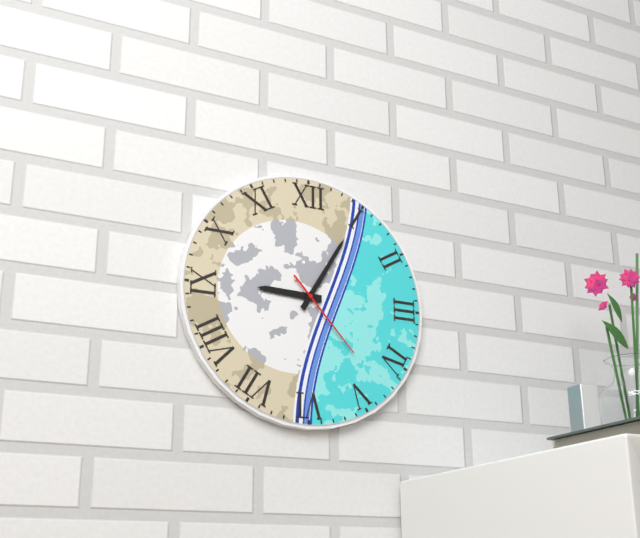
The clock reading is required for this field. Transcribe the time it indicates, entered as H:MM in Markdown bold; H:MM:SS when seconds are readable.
**9:05:23**
